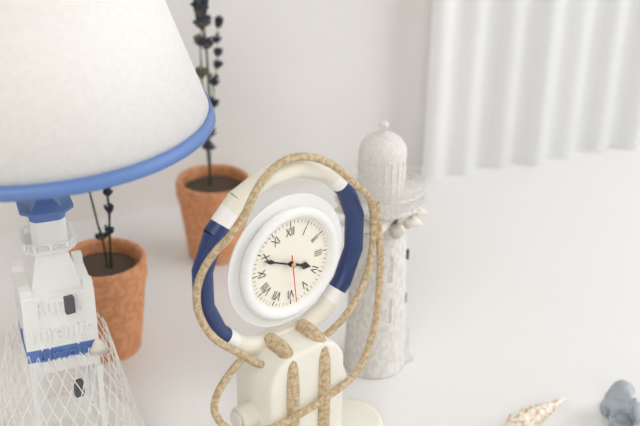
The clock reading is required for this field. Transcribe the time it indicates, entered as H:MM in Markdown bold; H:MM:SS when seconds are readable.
**3:49**
